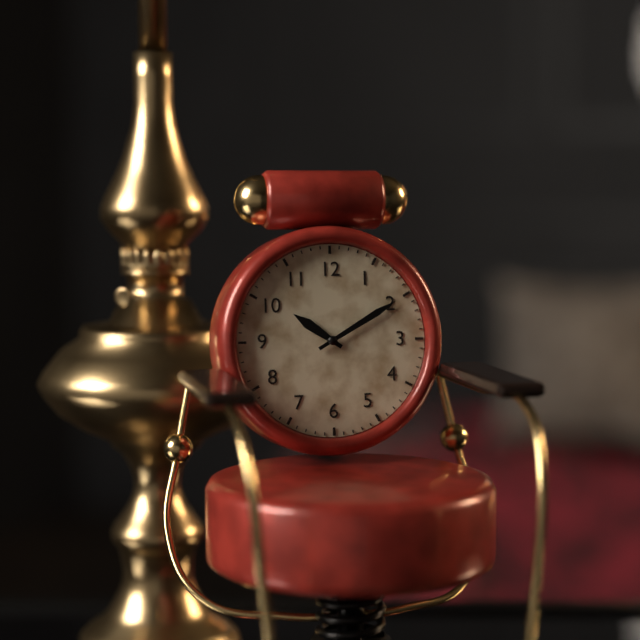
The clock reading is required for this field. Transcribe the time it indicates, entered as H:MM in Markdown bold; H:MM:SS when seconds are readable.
**10:10**
